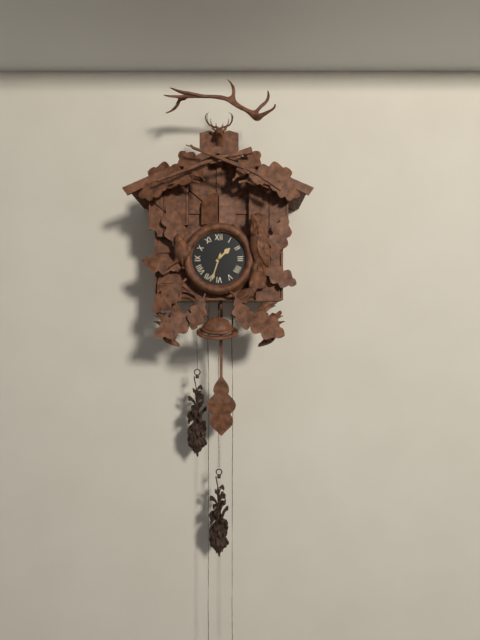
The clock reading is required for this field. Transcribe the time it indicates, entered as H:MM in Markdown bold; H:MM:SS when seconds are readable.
**1:33**
